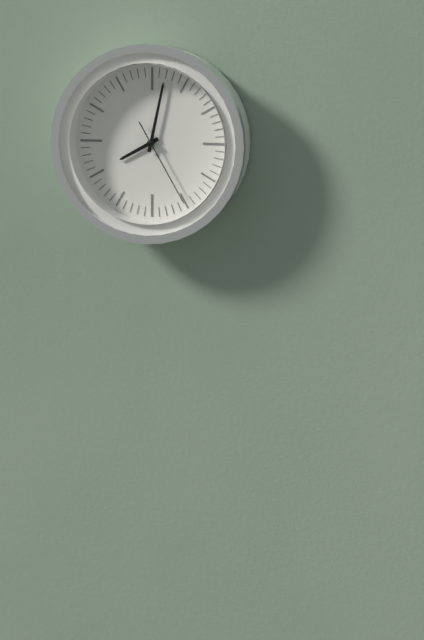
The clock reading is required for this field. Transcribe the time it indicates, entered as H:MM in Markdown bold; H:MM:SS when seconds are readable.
**8:02:25**
